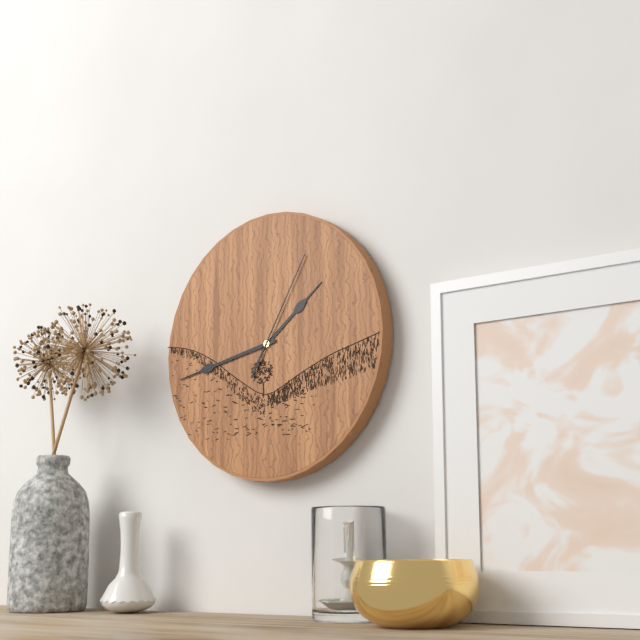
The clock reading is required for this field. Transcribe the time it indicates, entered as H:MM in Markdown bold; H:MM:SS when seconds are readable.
**1:43:05**
